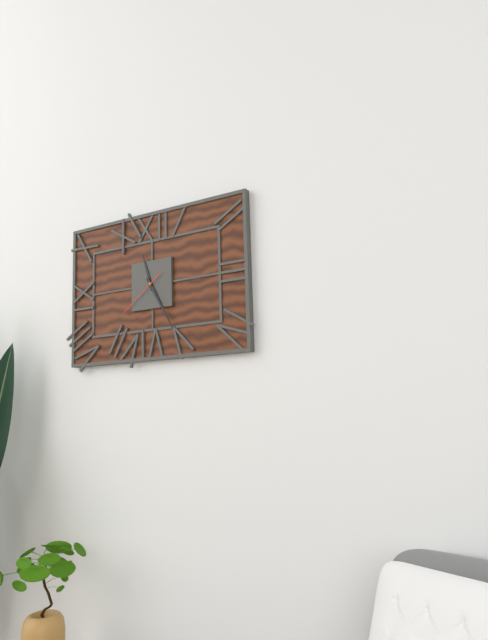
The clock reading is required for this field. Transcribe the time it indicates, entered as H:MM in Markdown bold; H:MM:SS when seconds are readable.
**11:25:39**
